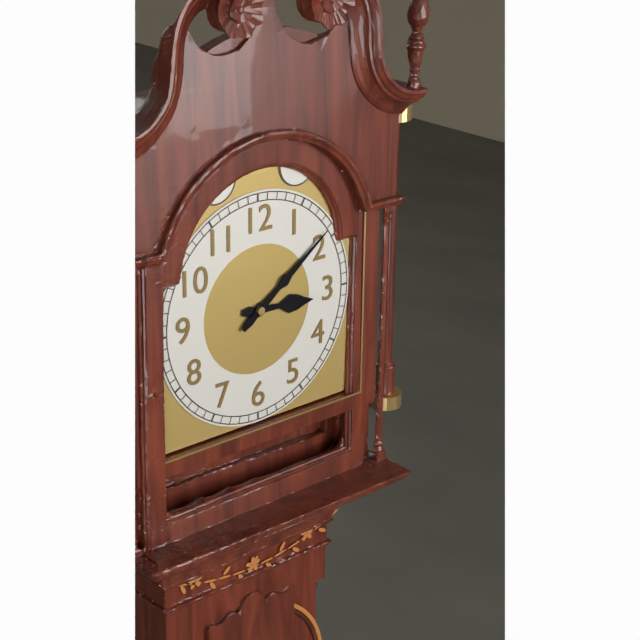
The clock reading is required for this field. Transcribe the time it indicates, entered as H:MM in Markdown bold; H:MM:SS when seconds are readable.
**3:09**
